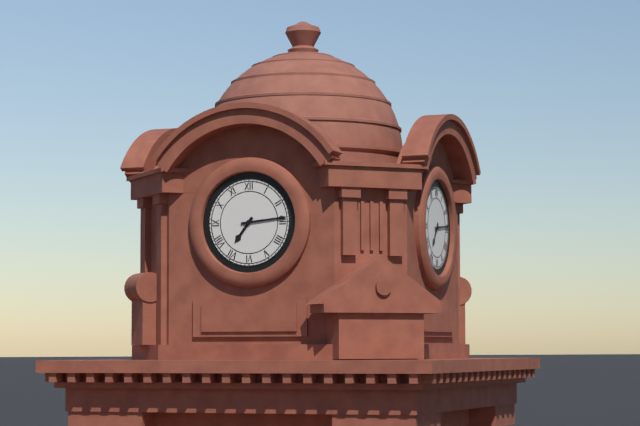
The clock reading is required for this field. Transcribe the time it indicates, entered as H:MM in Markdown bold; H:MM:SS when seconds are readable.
**7:14**
